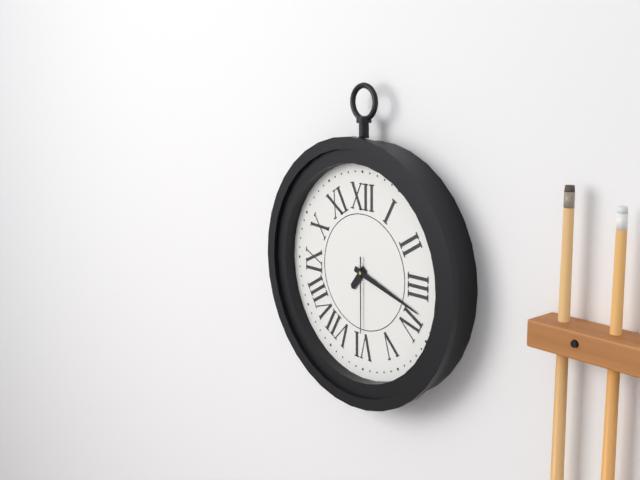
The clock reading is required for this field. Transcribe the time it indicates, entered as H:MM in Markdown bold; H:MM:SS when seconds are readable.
**7:18:30**
